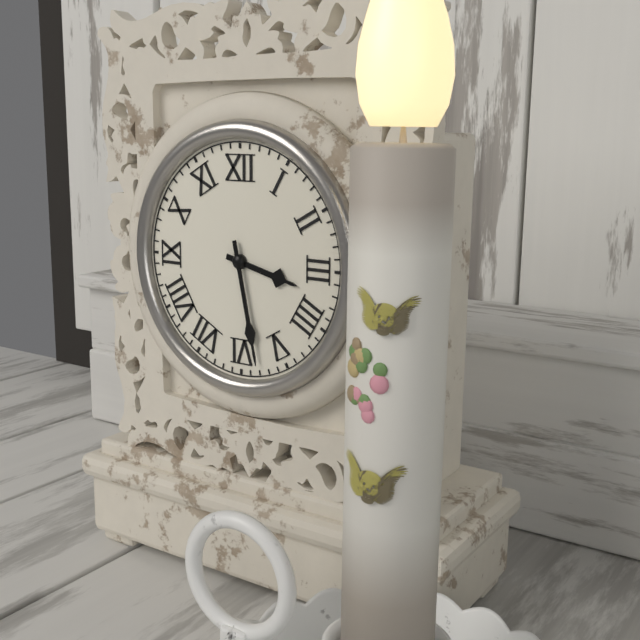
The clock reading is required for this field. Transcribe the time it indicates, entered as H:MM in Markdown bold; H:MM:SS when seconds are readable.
**3:28**
